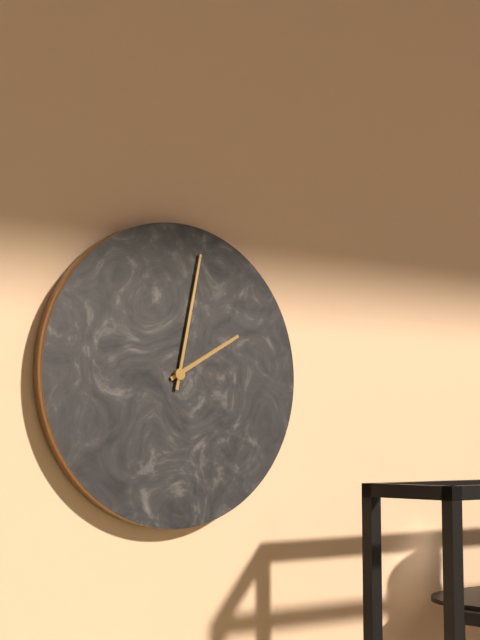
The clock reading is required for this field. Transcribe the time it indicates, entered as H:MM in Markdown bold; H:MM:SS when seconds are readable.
**2:02**
